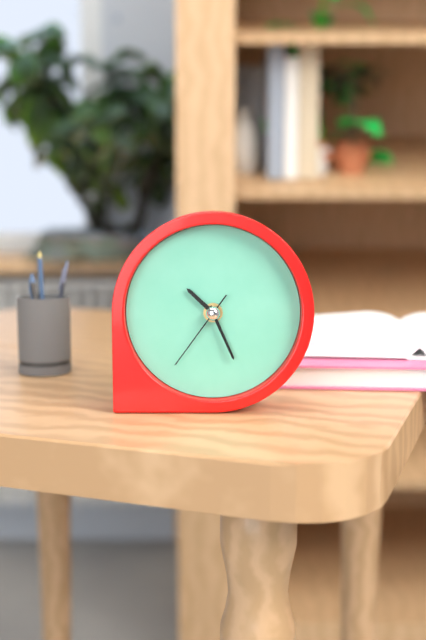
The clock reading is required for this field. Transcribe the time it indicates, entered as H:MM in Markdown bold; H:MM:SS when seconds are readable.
**10:26:36**
